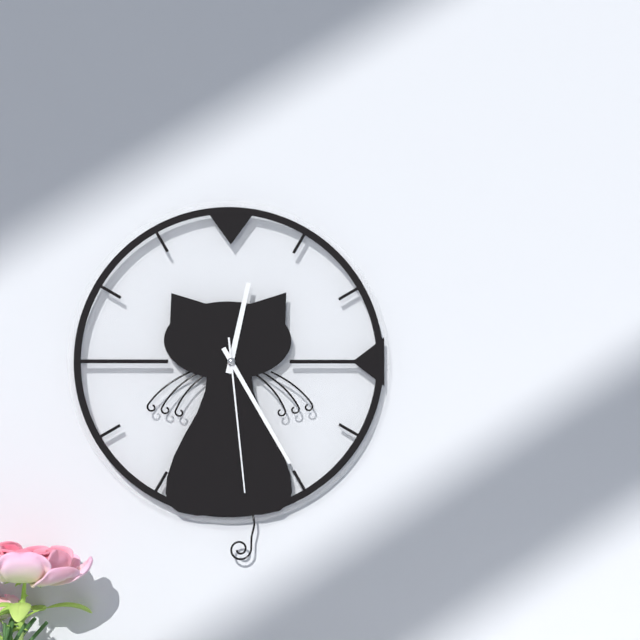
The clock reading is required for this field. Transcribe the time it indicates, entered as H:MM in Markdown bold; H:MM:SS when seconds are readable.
**12:25:29**
